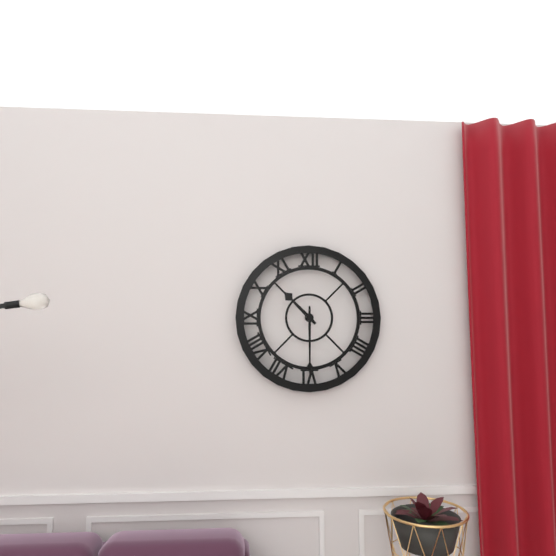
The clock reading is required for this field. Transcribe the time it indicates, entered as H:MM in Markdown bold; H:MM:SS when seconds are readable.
**10:30**
